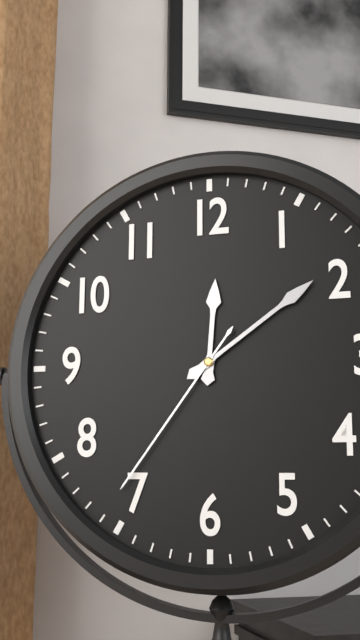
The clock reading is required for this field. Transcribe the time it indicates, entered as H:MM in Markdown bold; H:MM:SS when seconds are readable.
**12:09:36**
